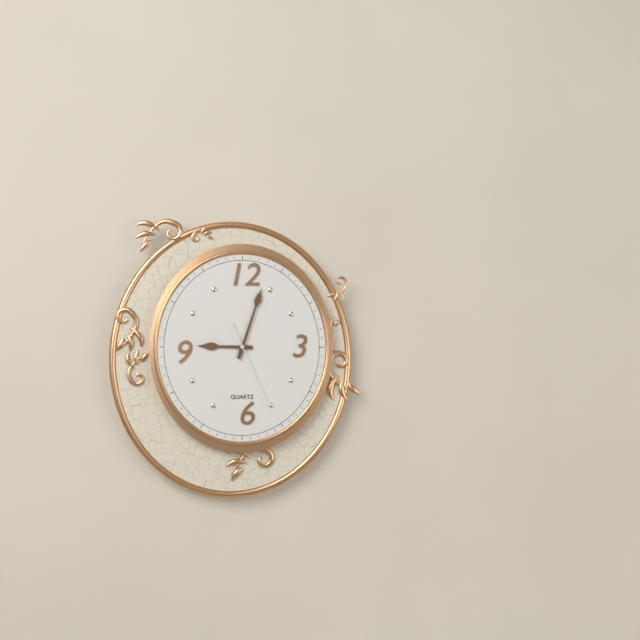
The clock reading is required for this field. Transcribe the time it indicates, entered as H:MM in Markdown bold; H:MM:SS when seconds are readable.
**9:03:26**
